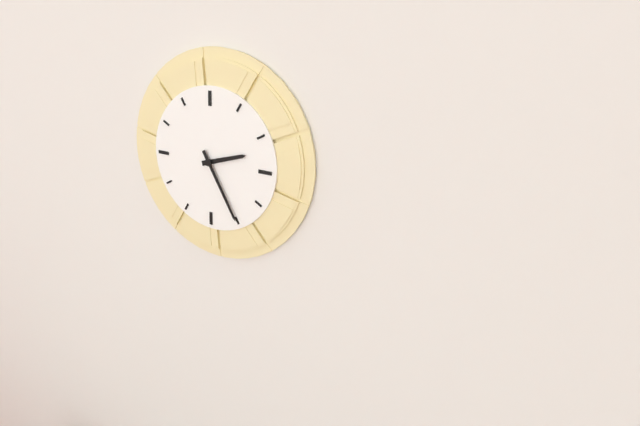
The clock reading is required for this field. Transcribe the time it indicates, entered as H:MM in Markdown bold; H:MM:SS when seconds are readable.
**2:25**
